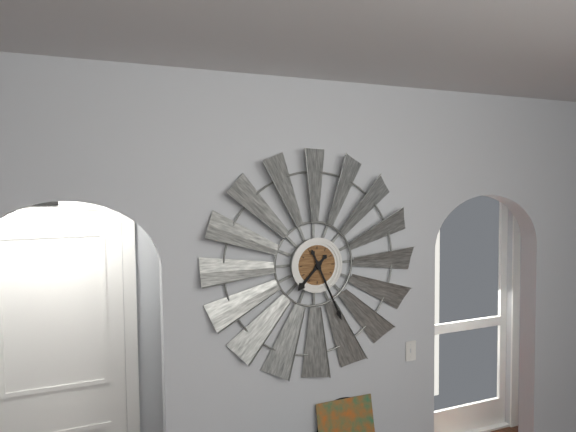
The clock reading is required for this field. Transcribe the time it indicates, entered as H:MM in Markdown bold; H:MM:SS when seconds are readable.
**7:26**
